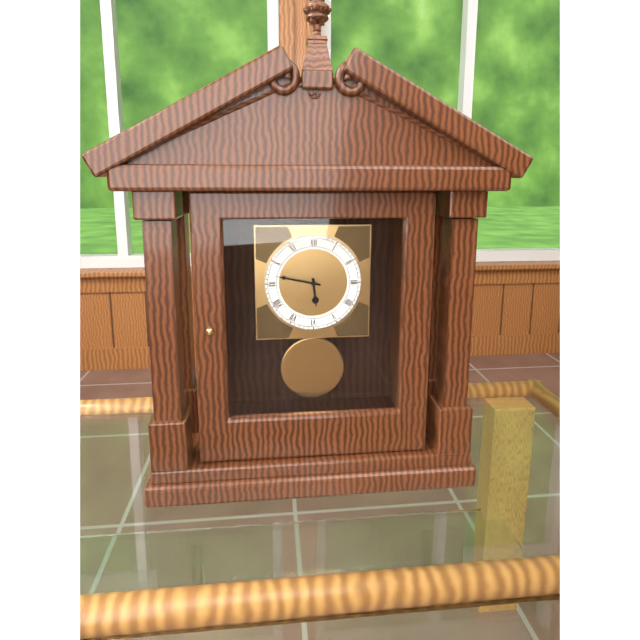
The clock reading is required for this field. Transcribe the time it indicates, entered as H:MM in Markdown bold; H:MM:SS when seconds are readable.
**5:47**
